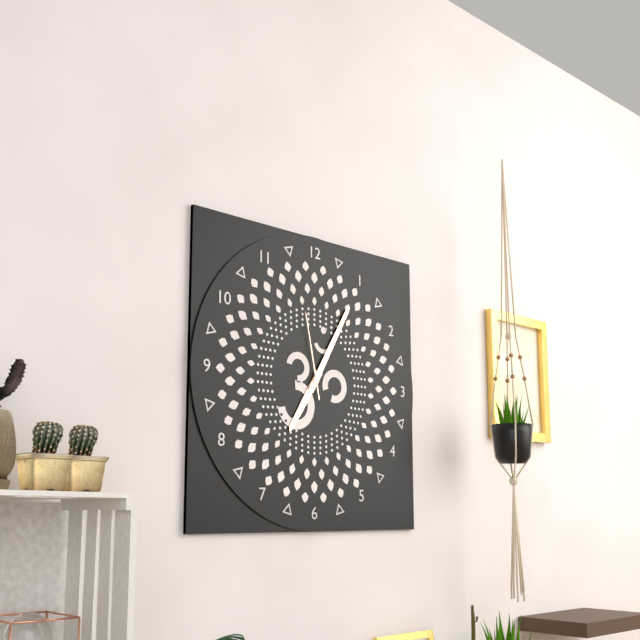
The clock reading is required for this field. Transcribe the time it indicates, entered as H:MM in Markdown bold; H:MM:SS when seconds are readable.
**7:05:58**
